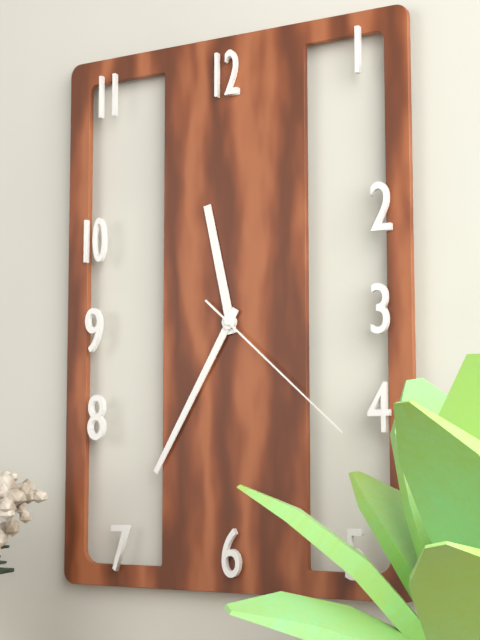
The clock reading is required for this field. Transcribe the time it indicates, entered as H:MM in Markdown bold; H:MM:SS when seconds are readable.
**11:35:22**
